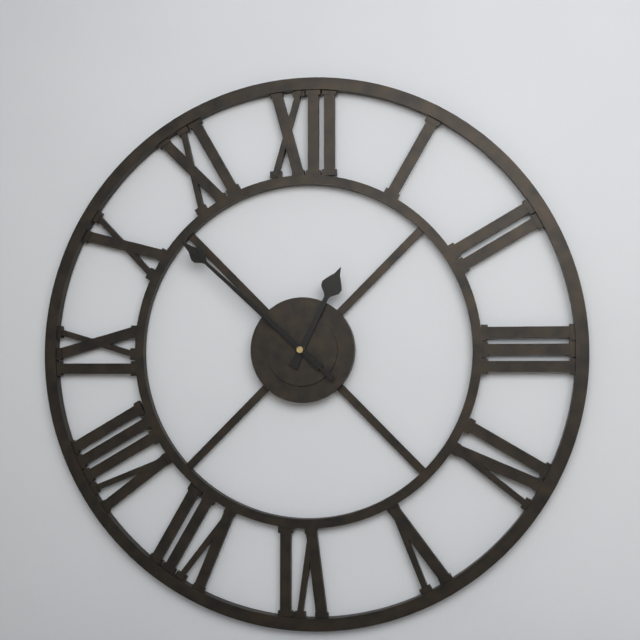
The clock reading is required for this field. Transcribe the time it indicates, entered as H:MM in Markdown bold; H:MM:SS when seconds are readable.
**12:52:52**
